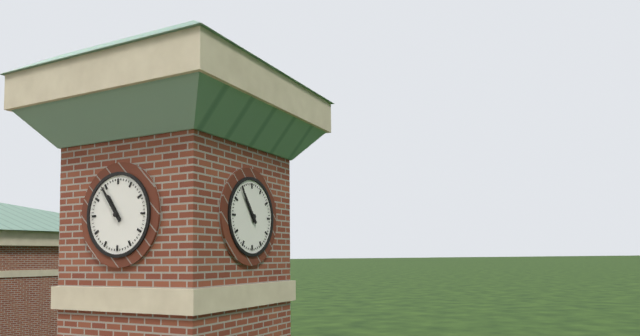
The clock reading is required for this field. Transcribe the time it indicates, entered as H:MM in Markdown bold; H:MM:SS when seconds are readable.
**10:54**
